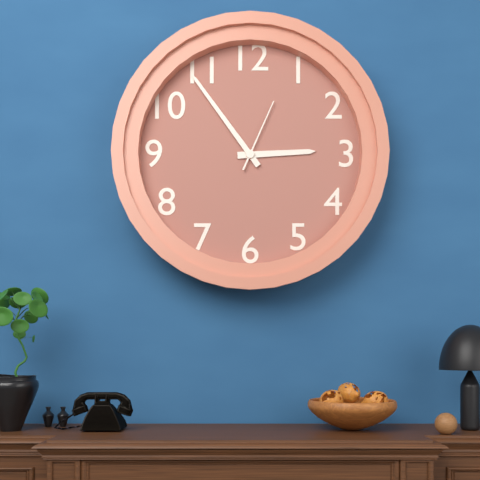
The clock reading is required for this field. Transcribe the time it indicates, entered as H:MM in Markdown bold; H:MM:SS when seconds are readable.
**2:54:04**
